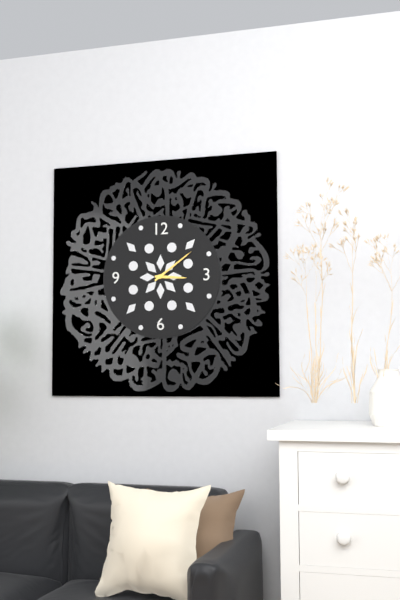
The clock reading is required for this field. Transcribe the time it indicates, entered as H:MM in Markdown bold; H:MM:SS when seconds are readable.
**3:09**
